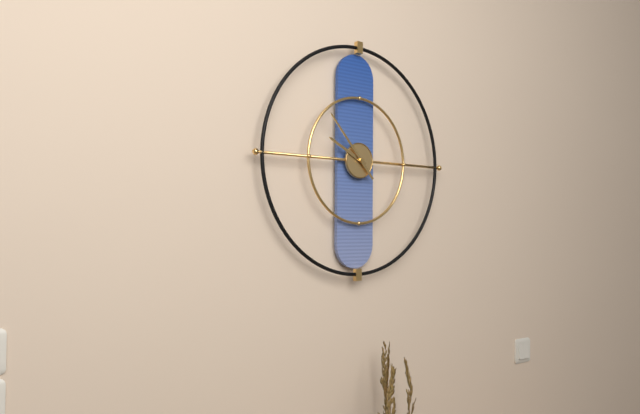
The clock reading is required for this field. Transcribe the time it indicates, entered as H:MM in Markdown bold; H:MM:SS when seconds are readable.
**9:53**
